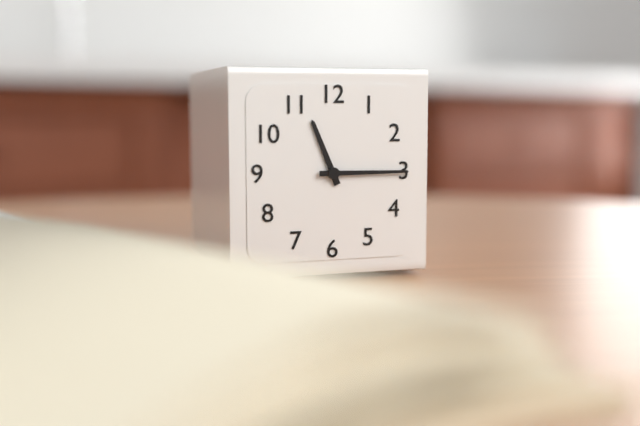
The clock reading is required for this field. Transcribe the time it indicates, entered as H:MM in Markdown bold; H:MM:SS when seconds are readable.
**11:15**
